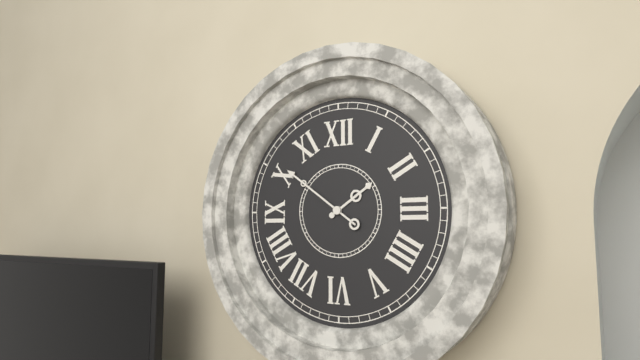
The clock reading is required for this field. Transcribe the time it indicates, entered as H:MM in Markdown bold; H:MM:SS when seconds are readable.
**1:51**
